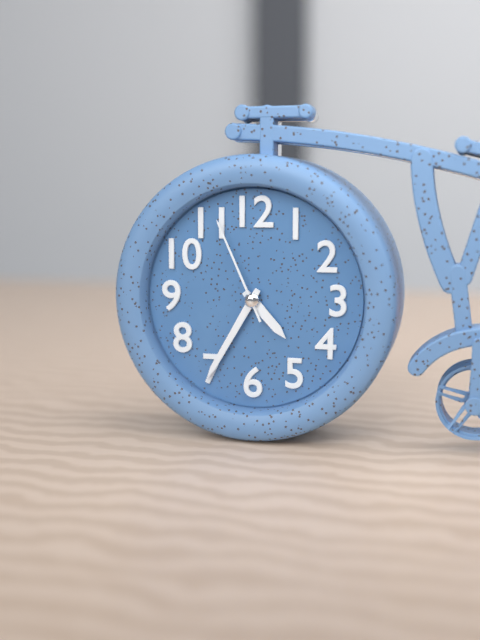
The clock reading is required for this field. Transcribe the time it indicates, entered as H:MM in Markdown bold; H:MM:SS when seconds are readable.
**4:35:56**
